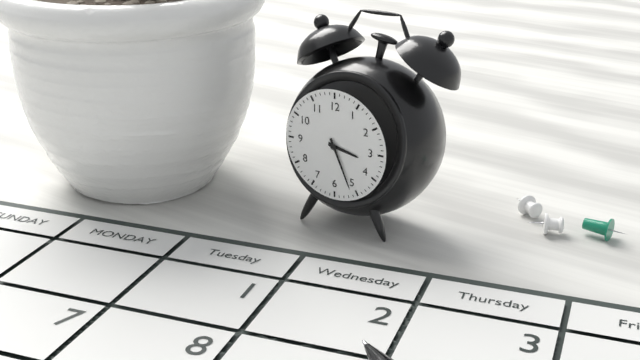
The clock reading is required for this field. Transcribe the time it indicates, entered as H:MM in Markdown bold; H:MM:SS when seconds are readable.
**3:26**
